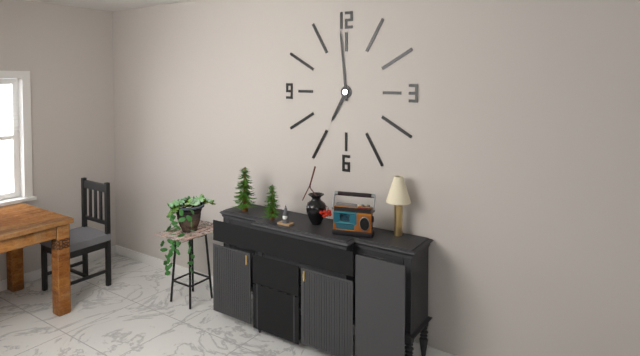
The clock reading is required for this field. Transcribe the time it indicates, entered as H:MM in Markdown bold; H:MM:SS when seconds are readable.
**6:59**
